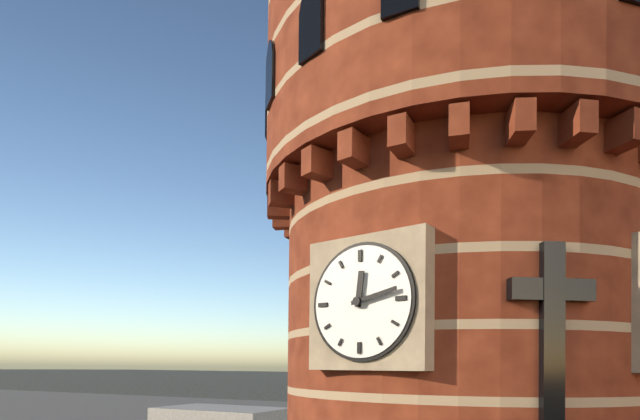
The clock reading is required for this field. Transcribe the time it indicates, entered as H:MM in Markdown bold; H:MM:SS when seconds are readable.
**12:13**
